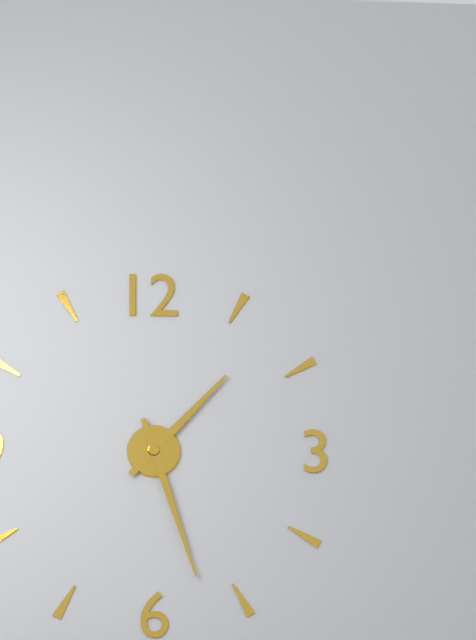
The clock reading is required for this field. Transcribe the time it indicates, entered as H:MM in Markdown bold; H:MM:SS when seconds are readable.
**1:27**
